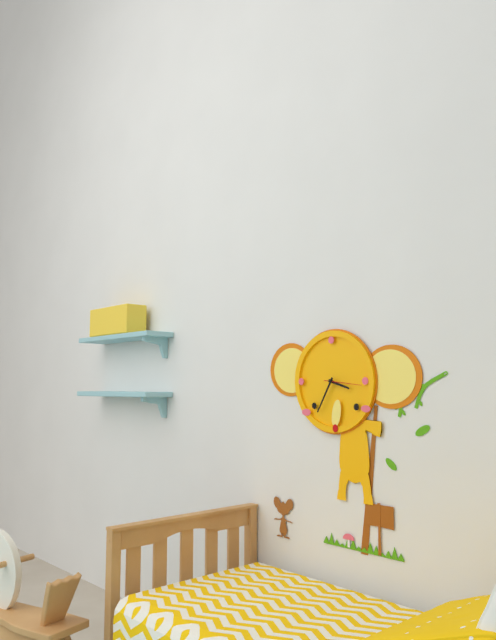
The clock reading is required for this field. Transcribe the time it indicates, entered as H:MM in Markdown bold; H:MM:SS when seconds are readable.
**3:35**
